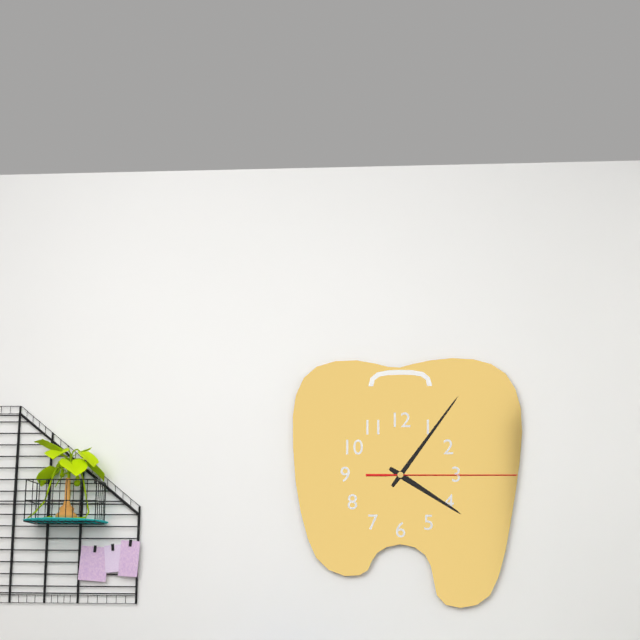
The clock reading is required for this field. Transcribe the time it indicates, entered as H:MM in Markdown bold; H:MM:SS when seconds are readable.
**4:06:15**
